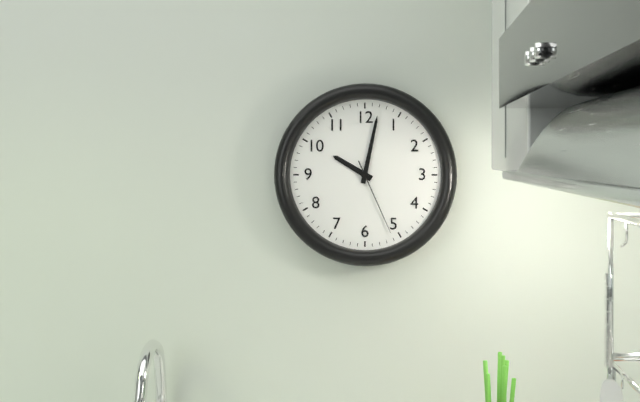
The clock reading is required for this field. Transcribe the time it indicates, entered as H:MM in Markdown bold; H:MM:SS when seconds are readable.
**10:02:26**
